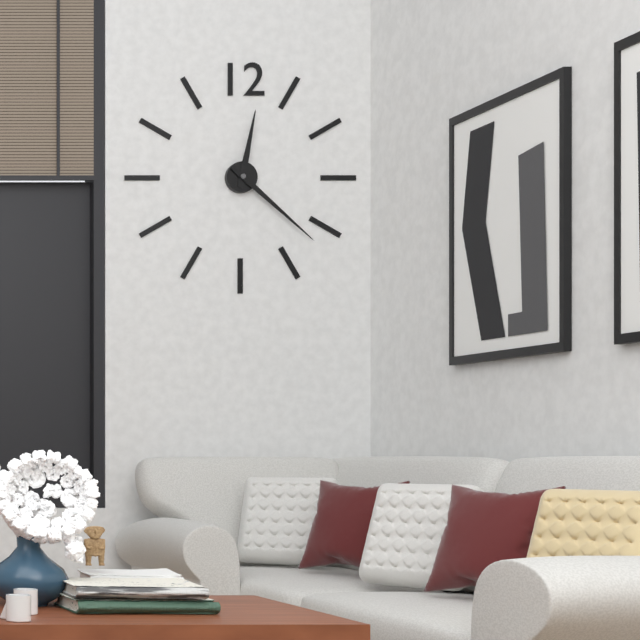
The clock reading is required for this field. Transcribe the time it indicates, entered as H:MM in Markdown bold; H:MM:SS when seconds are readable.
**12:22**
